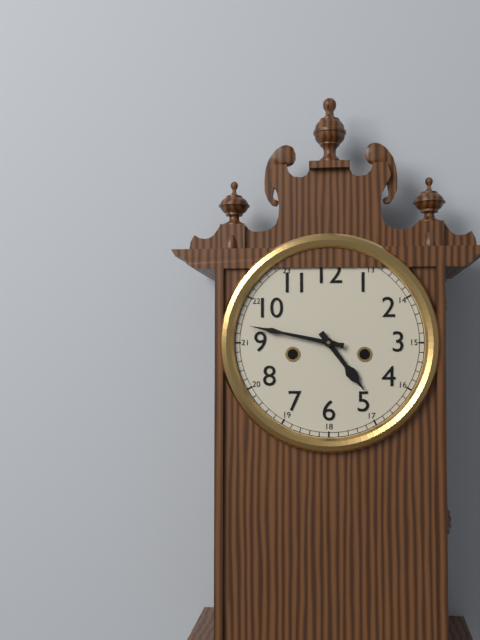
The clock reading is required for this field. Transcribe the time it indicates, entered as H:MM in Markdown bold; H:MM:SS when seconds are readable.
**4:47**
